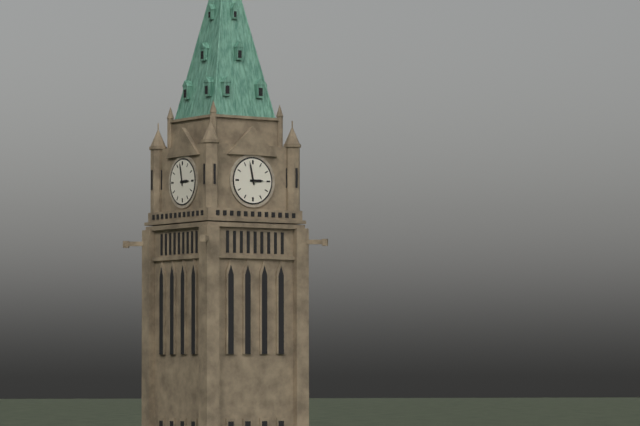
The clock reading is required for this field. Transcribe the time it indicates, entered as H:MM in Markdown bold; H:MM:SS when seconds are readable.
**2:58**
